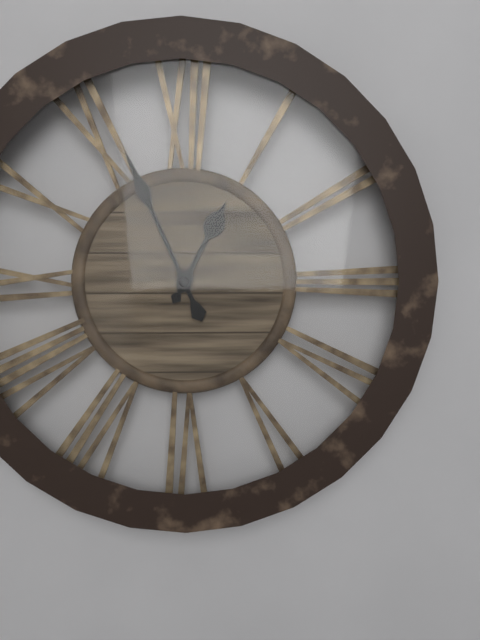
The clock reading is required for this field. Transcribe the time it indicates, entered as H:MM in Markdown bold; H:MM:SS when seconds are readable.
**12:56**
